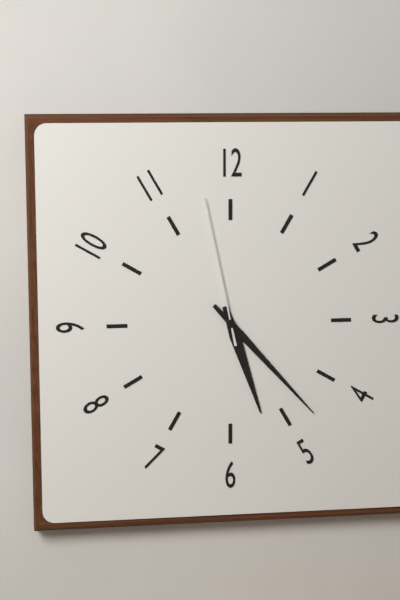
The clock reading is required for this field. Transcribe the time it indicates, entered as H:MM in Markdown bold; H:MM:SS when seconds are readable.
**5:23:58**
